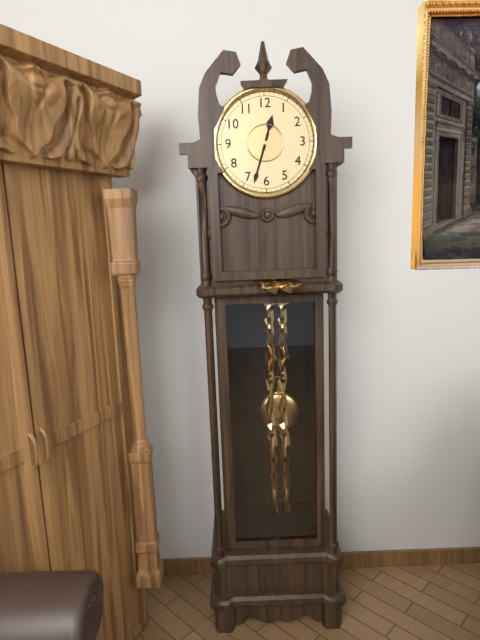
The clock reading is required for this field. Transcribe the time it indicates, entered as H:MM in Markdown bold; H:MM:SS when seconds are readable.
**12:33**
